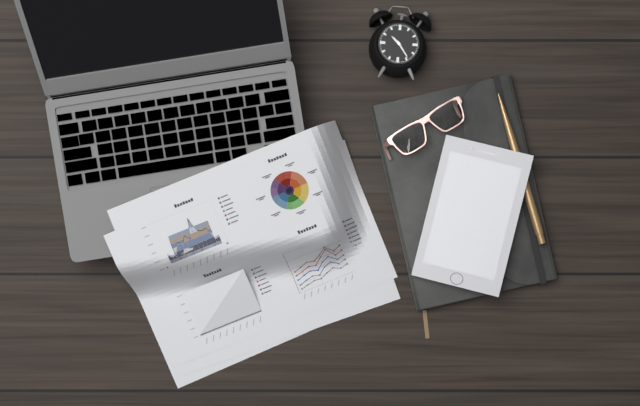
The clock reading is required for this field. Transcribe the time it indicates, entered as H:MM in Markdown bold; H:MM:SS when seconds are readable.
**10:24**
